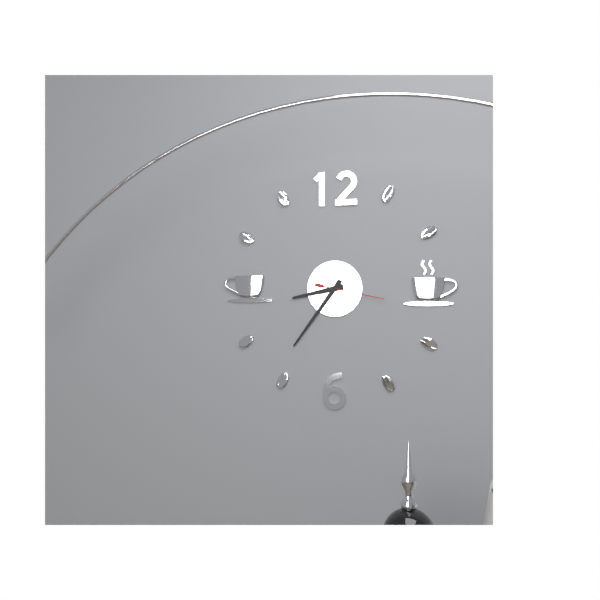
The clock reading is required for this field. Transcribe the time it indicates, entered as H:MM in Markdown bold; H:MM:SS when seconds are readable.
**8:36:17**
